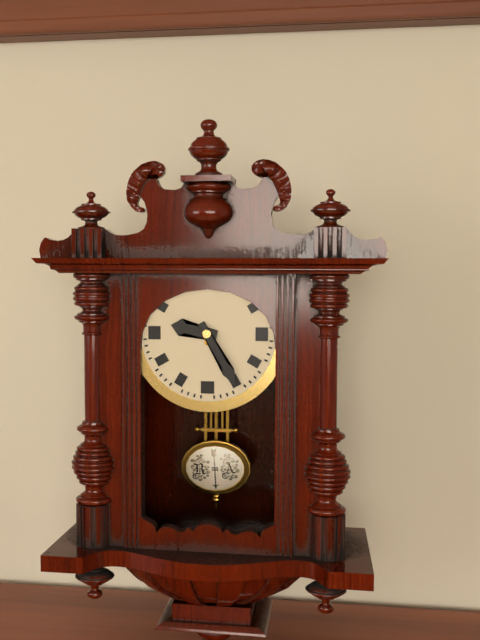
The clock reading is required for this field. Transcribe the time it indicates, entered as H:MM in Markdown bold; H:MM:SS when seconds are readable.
**9:25**
